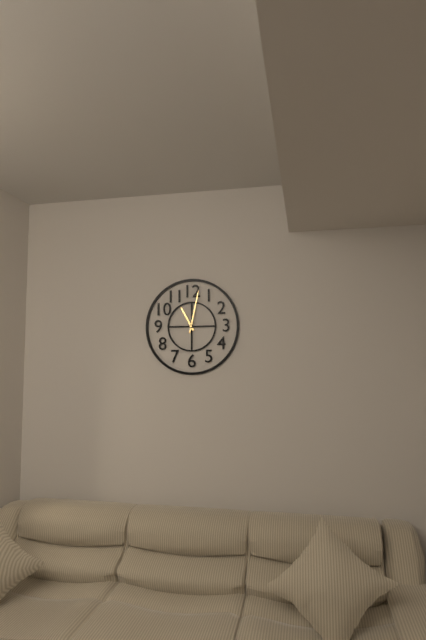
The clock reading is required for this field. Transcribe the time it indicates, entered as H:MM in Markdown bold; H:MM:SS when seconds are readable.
**11:02**
